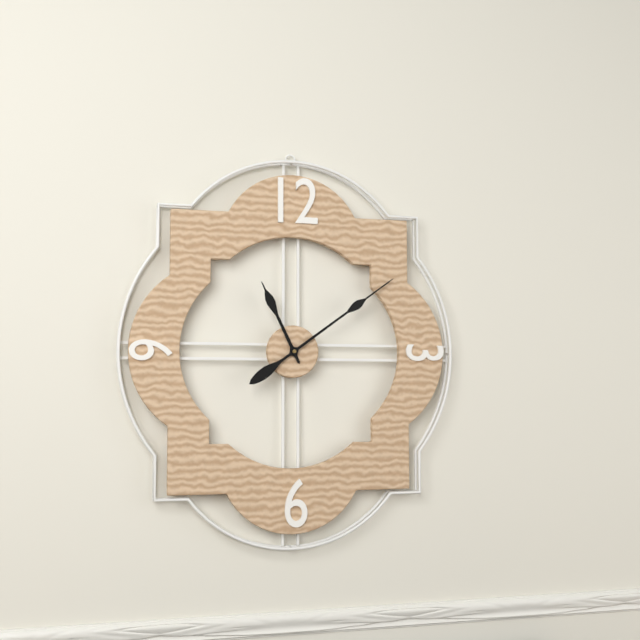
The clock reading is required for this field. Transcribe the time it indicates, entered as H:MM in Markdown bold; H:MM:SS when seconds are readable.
**11:09**
